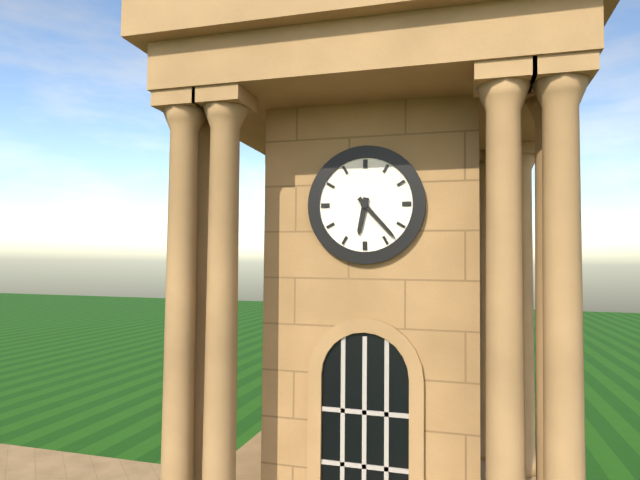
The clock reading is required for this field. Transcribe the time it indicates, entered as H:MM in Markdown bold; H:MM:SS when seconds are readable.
**6:23**
